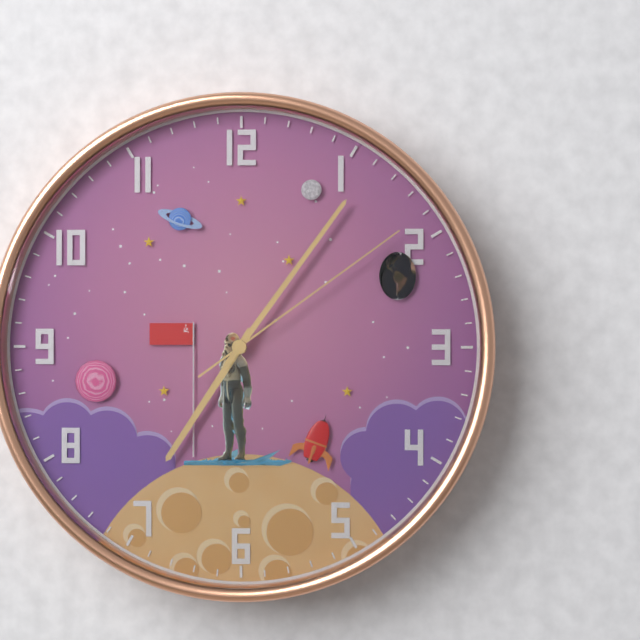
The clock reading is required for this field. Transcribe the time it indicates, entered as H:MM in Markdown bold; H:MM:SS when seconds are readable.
**7:06:09**
